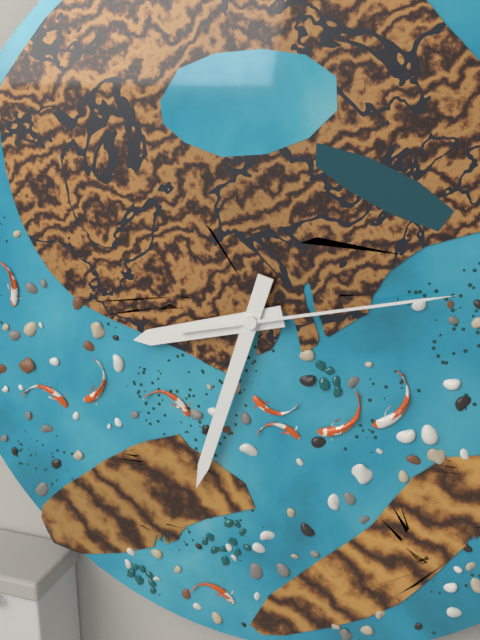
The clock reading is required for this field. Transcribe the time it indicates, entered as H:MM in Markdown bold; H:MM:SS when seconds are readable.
**8:33:13**
